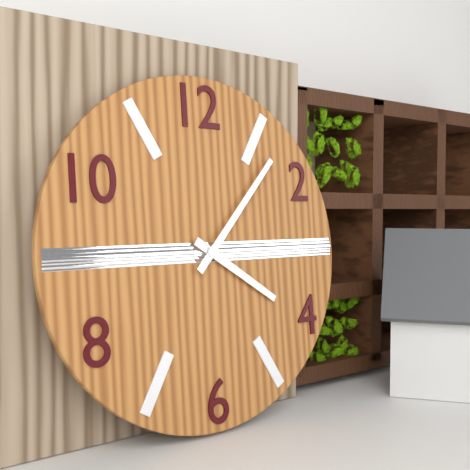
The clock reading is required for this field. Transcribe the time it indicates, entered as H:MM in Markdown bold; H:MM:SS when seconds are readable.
**4:07**
